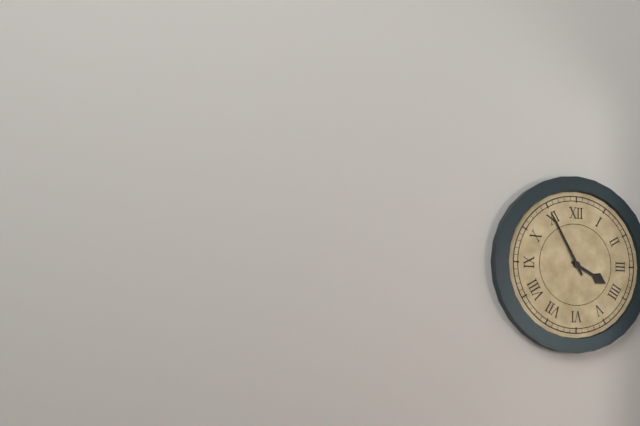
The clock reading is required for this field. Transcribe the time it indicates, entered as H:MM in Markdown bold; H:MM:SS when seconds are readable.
**3:55**
